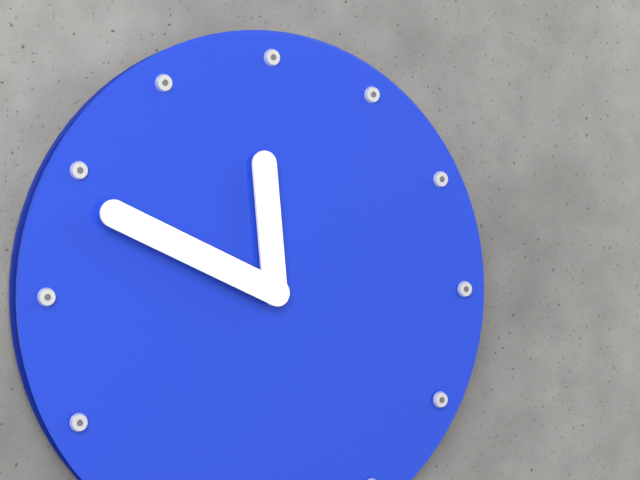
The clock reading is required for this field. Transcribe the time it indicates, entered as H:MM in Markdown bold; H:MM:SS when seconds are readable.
**11:49**
